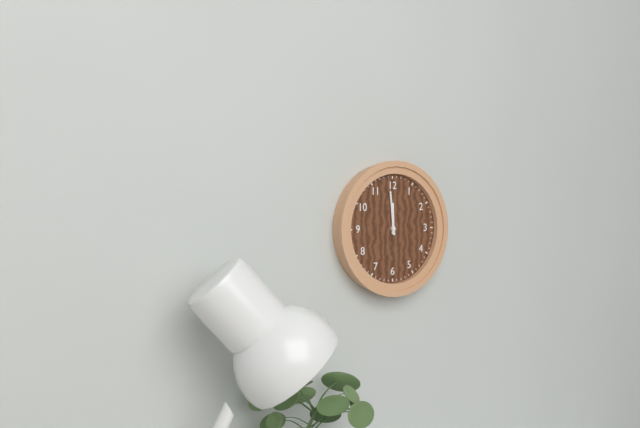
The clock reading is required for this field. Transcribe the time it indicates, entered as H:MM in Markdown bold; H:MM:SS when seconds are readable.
**11:59**
